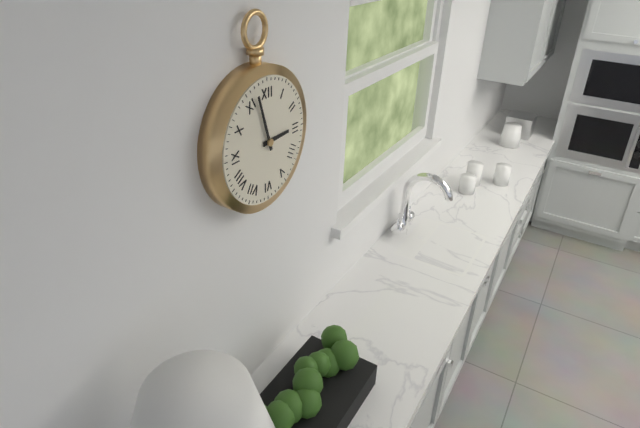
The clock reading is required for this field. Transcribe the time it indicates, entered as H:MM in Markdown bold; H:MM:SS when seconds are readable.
**2:57**
